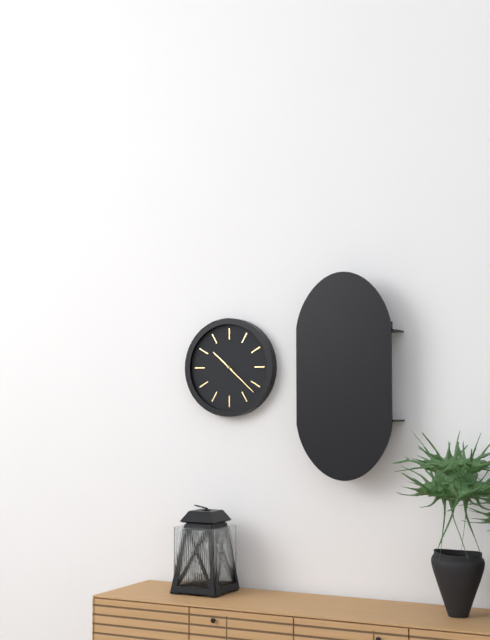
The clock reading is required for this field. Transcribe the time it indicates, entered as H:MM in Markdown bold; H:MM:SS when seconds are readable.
**10:22**
